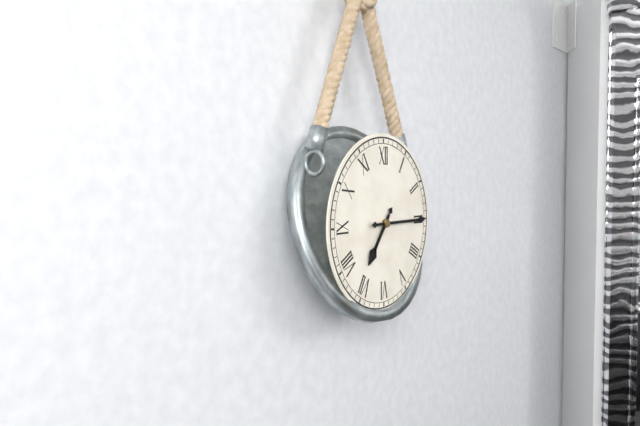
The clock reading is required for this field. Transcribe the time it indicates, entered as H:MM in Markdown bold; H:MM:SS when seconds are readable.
**7:15**
